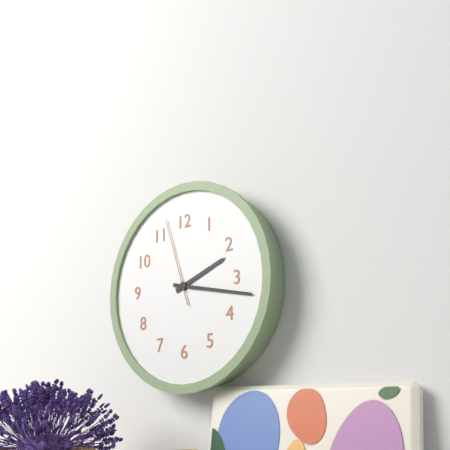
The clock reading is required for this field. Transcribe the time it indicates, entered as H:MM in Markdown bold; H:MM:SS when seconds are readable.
**2:17:57**
